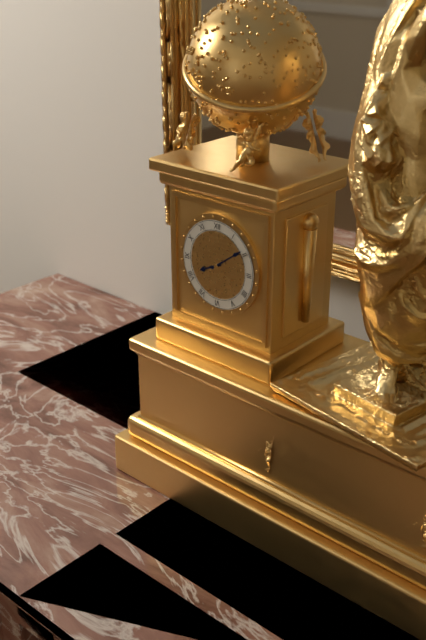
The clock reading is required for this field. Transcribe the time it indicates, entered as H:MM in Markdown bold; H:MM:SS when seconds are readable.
**8:09**
